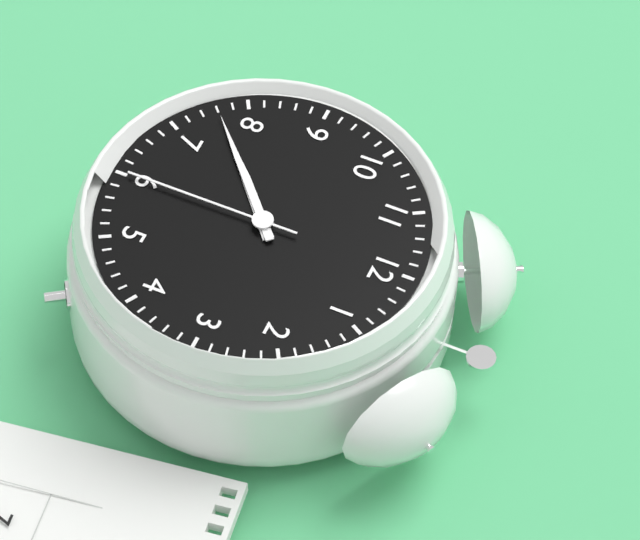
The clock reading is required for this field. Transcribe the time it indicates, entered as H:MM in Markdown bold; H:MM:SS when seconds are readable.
**7:38:30**
